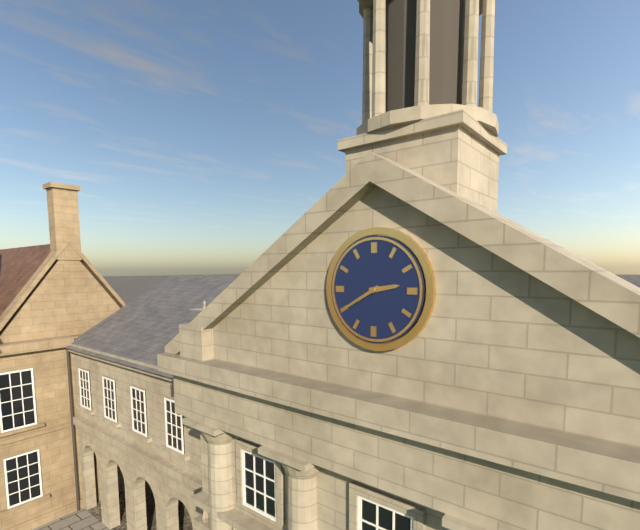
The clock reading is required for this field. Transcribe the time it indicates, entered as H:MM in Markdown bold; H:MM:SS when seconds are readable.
**2:40**
